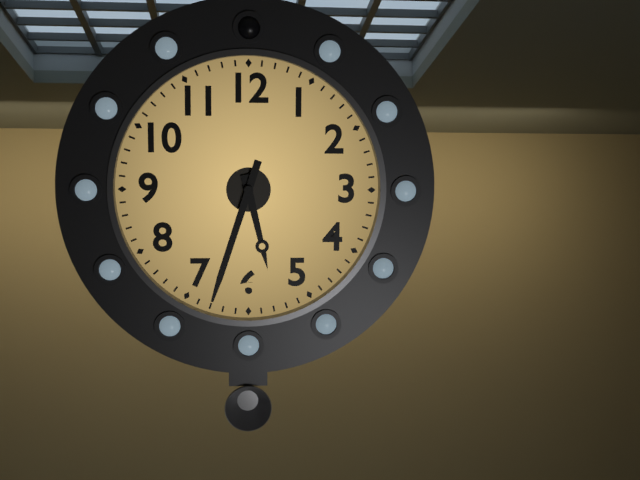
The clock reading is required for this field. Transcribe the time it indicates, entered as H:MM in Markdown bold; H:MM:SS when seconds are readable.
**5:33**
